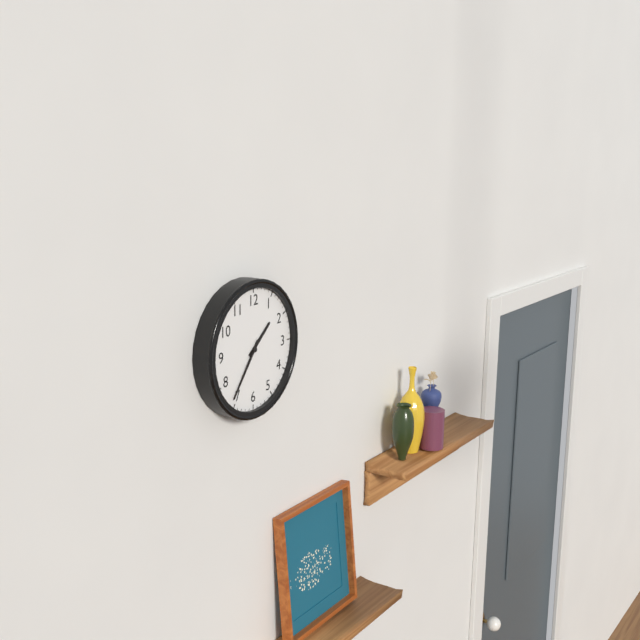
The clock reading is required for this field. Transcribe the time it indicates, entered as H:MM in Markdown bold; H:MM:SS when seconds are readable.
**1:36**
